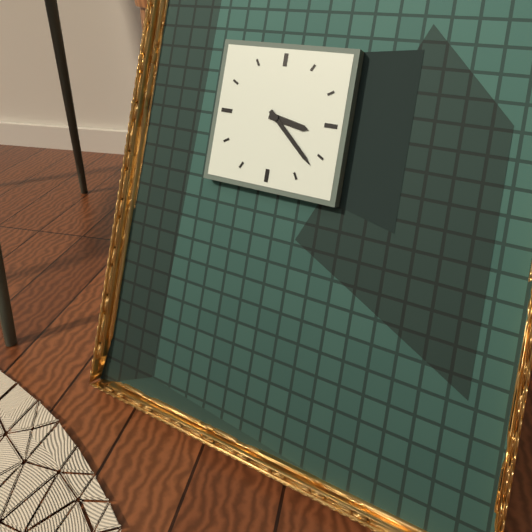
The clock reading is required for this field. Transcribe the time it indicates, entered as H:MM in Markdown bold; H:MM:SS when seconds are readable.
**3:22**
